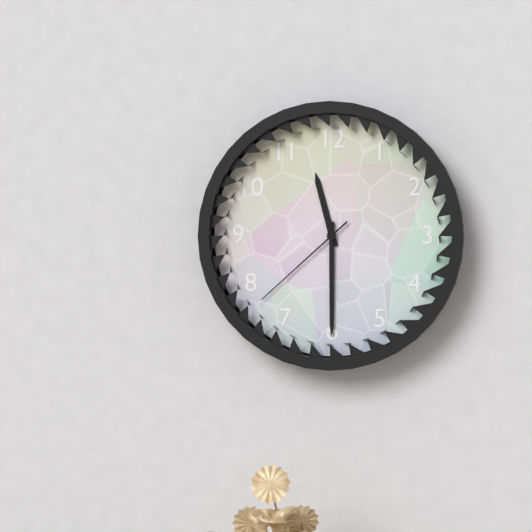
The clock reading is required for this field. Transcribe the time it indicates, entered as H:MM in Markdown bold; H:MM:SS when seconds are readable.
**11:30:38**
